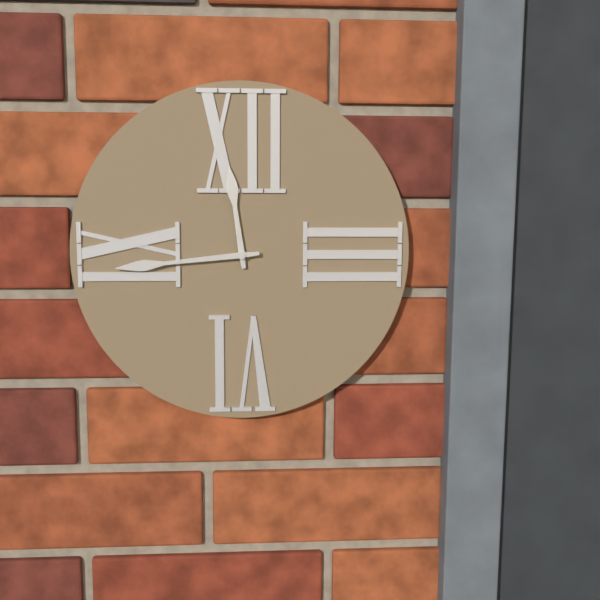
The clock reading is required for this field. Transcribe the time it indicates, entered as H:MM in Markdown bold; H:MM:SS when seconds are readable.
**11:44**
